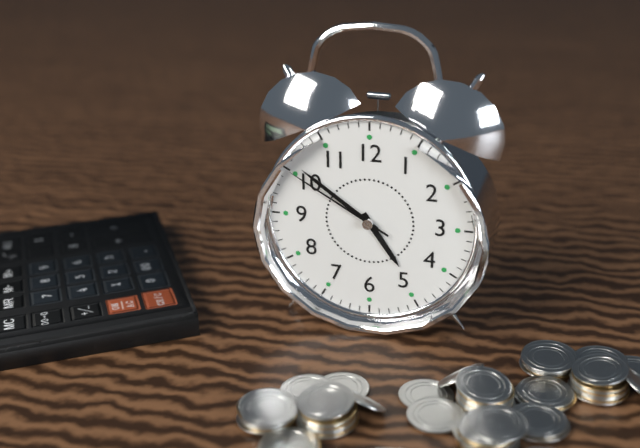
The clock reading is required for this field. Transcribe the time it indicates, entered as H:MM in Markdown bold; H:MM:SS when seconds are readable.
**4:51:50**
